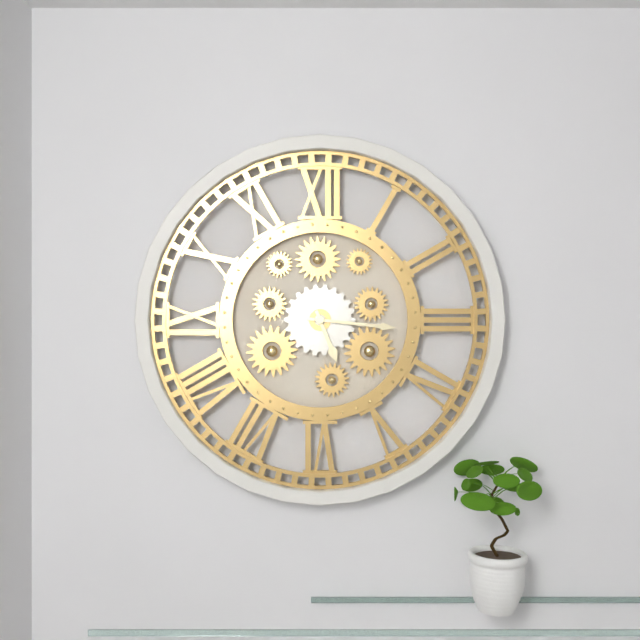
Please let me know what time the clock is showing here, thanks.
5:16
